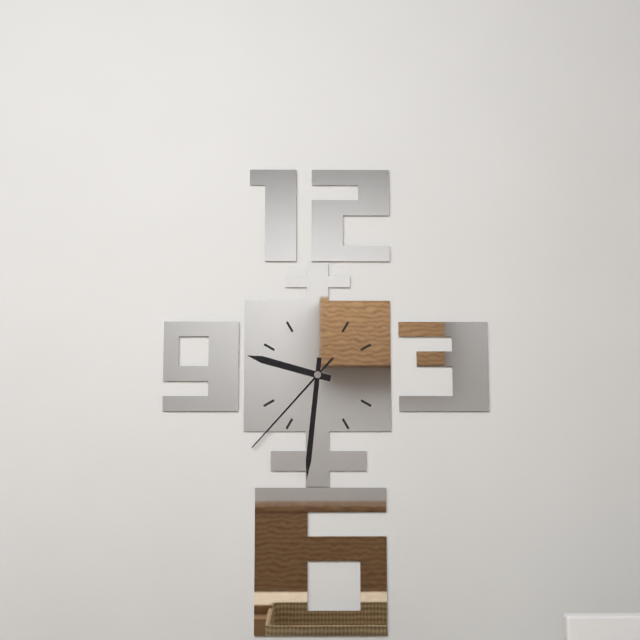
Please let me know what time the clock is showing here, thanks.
9:31:37
